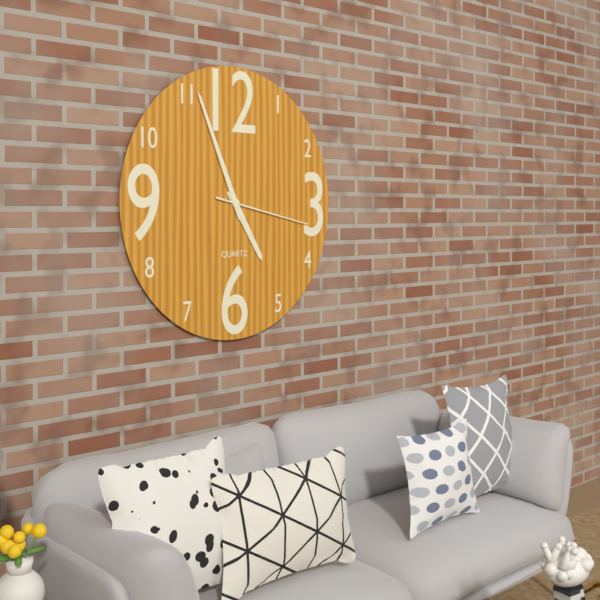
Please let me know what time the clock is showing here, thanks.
4:56:17
